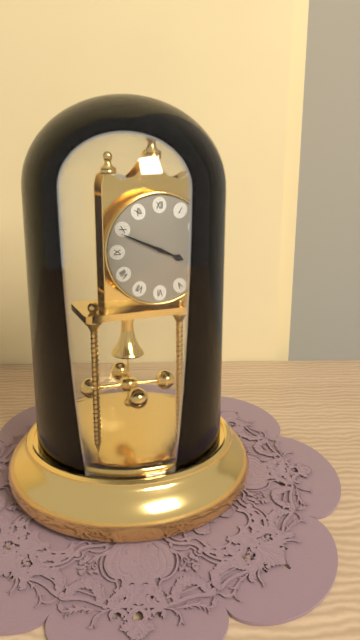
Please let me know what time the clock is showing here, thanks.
3:49
